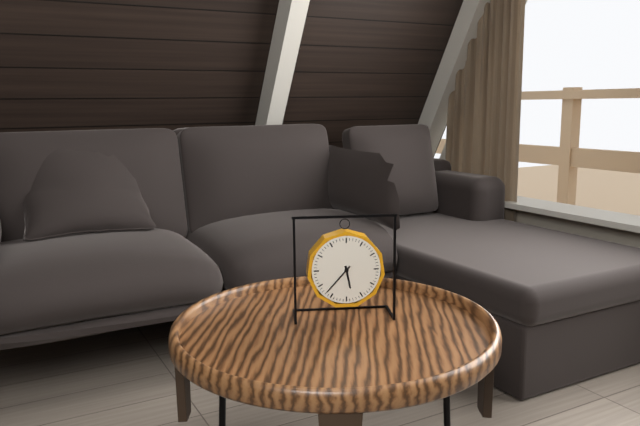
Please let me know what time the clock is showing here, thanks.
5:37
